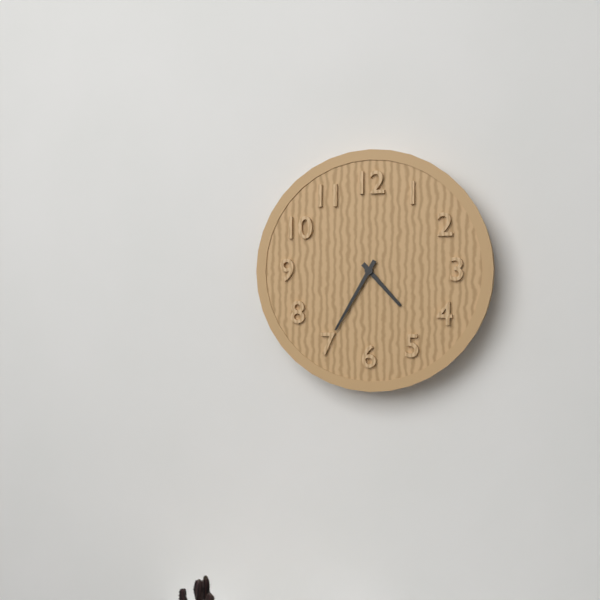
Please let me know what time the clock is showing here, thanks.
4:35
